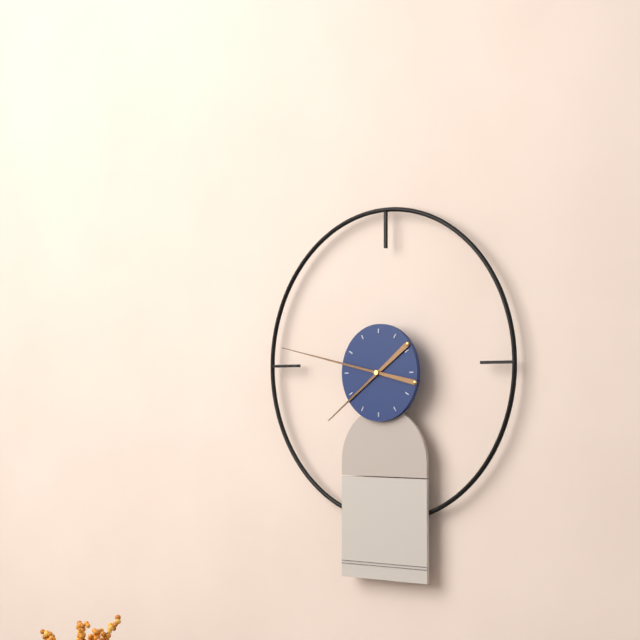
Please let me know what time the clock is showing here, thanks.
7:47
